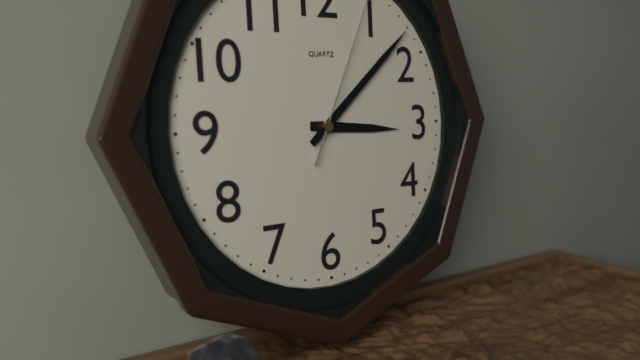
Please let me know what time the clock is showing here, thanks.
3:08
